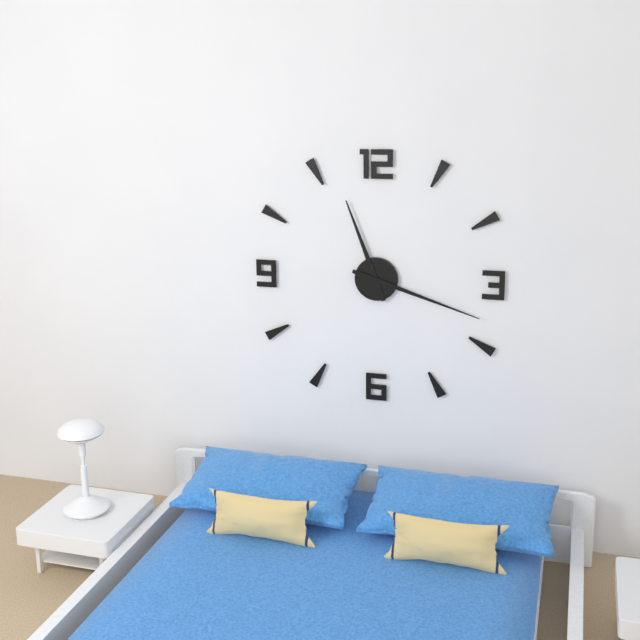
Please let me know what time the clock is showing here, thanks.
11:18
